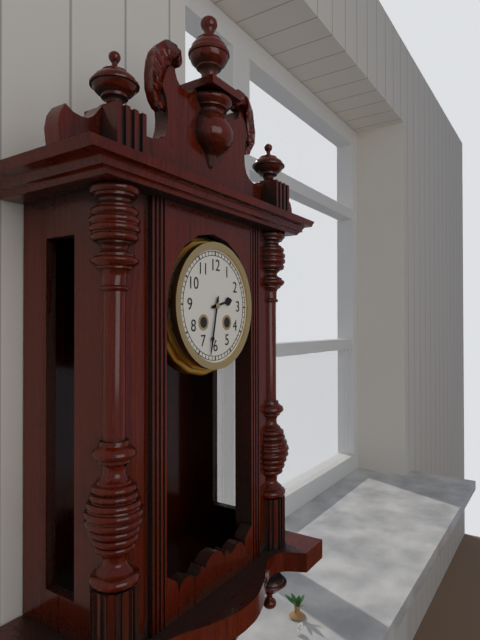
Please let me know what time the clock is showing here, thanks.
2:32
